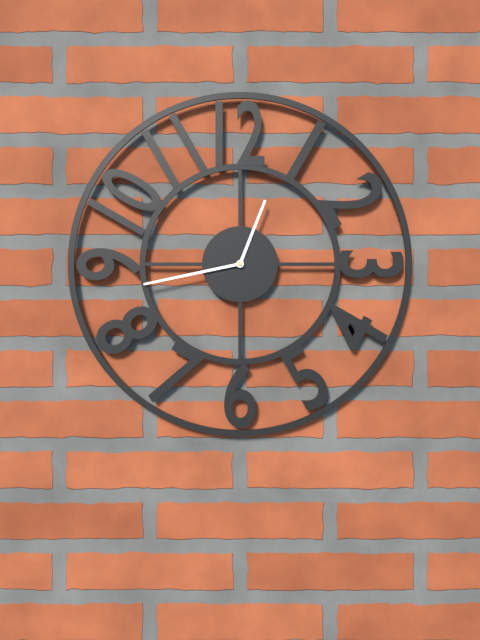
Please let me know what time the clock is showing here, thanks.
12:43
